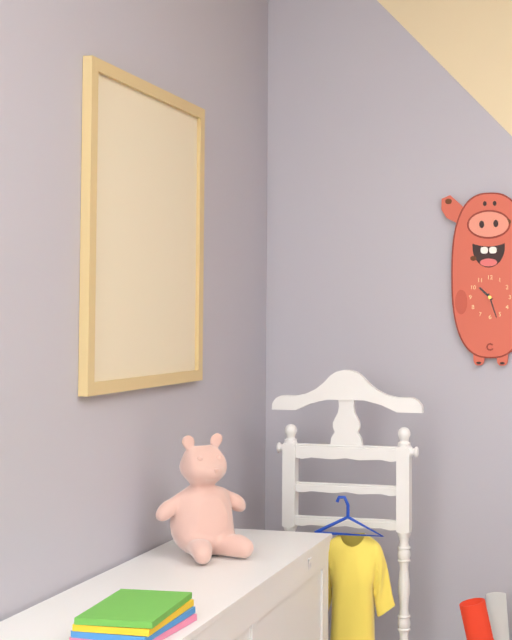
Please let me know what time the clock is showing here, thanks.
10:27
